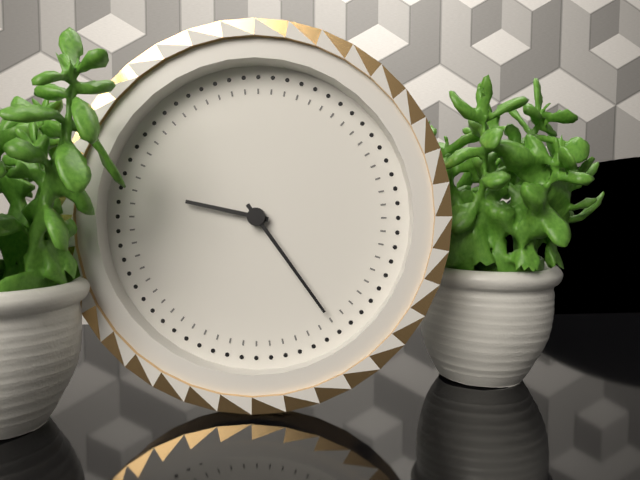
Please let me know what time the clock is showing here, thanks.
9:24
